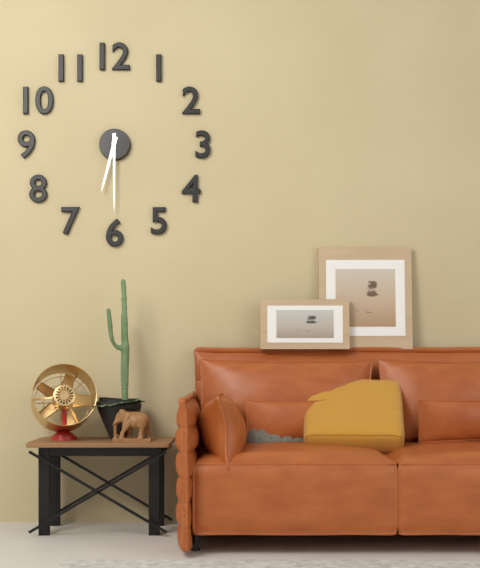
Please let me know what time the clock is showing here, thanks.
6:30
